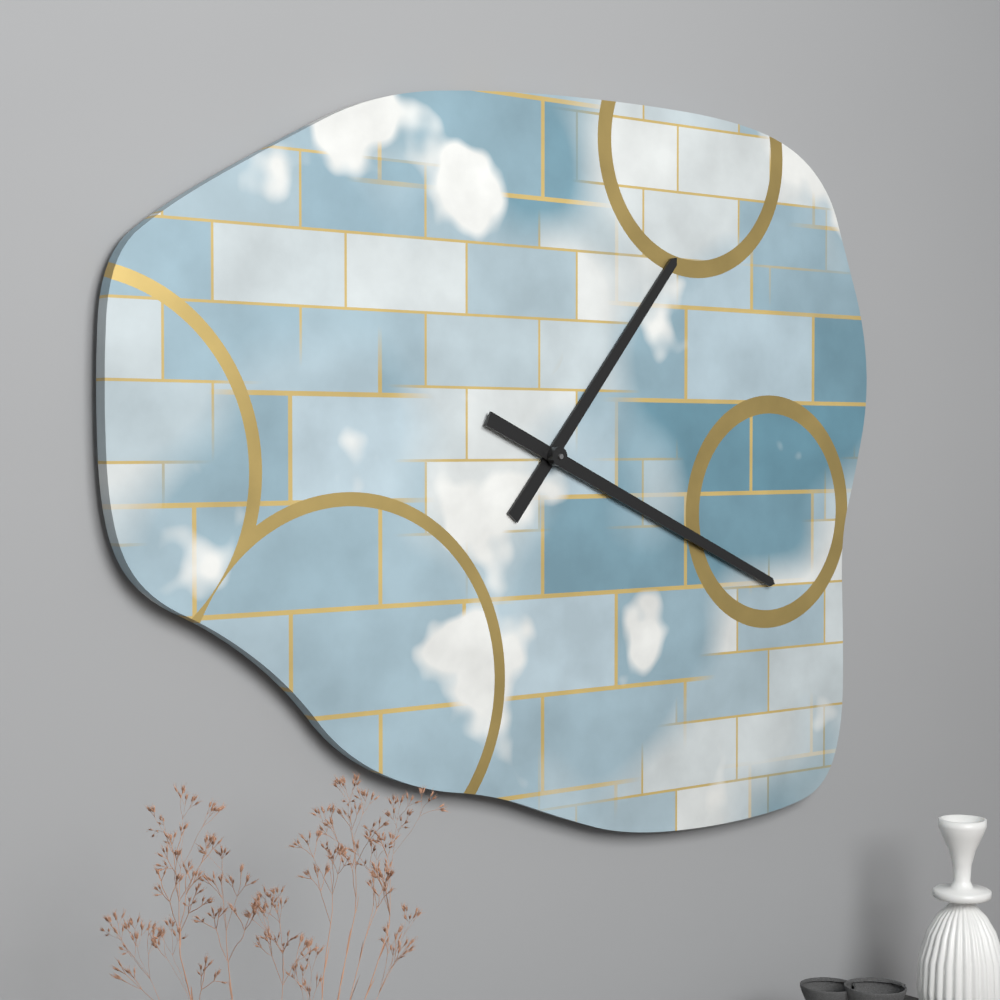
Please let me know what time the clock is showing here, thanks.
1:19
